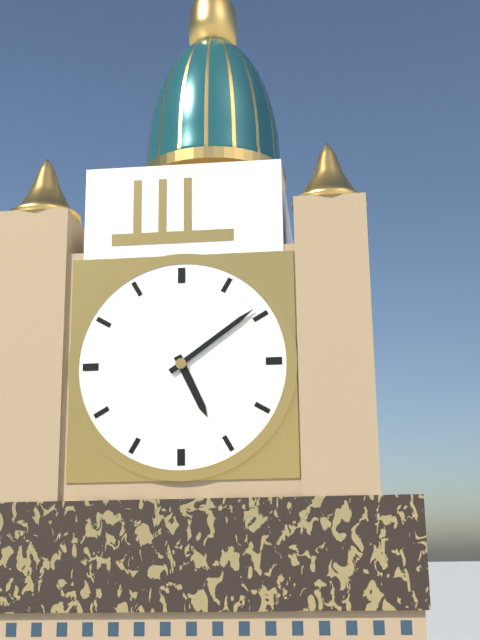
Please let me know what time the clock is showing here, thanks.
5:09
